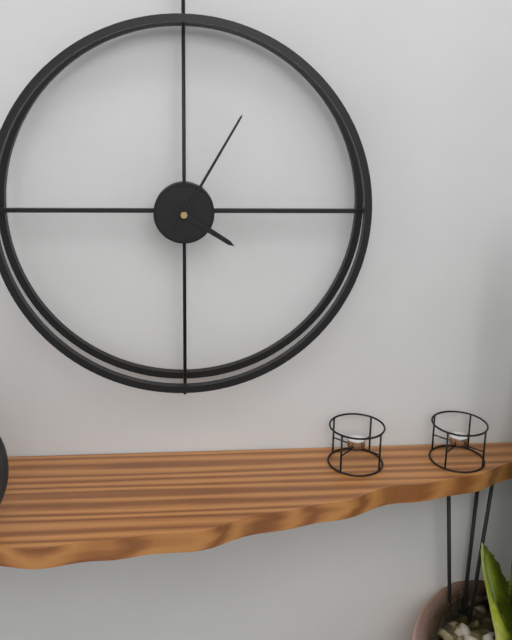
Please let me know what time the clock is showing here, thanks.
4:05
